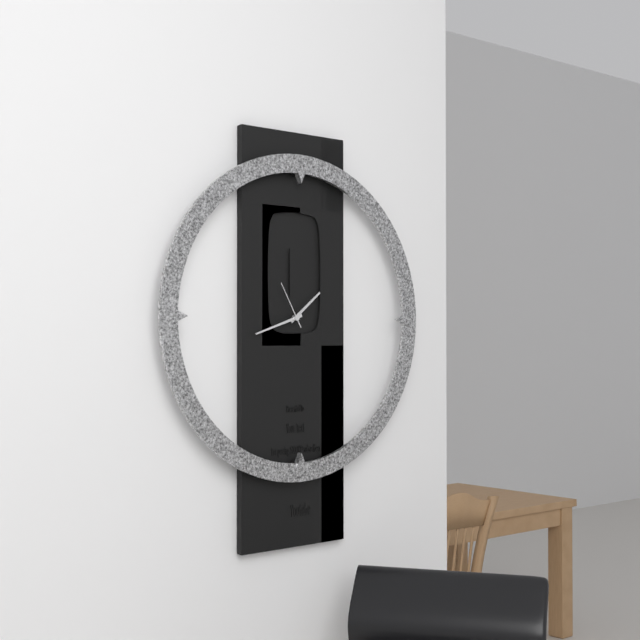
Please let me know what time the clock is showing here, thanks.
1:42
